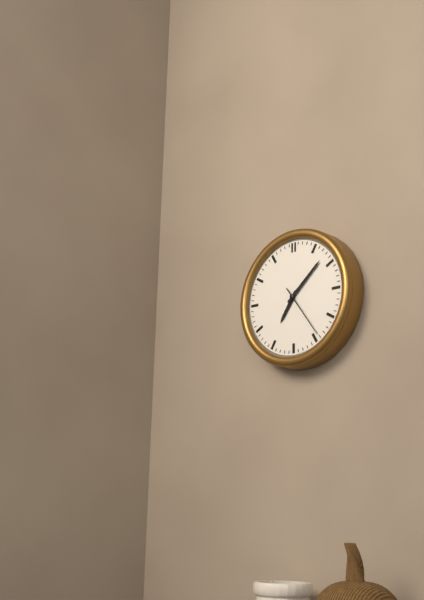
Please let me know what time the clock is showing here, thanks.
7:08:24
